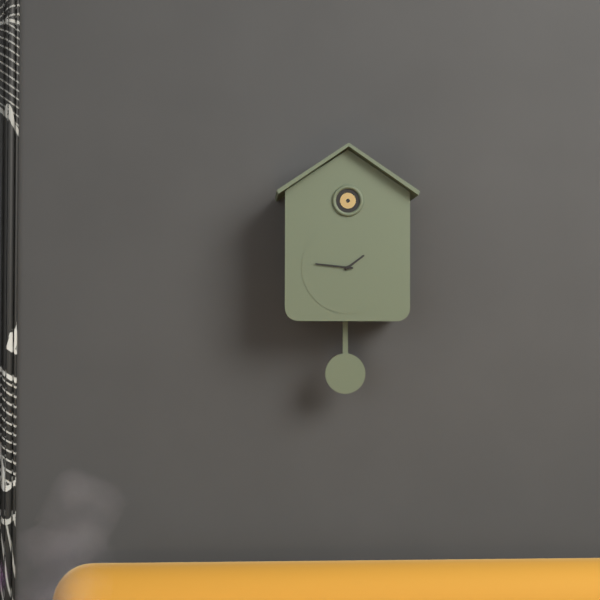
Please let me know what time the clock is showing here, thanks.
1:46
